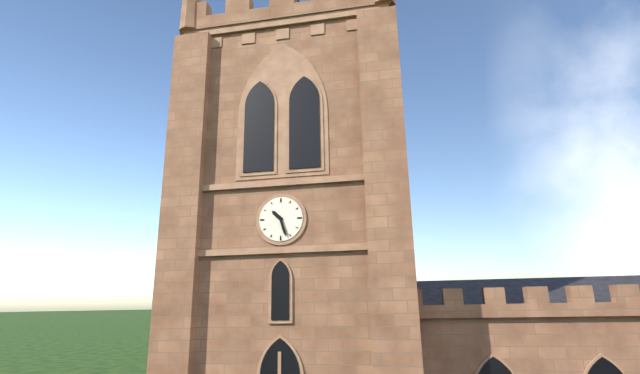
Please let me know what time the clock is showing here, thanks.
10:27
